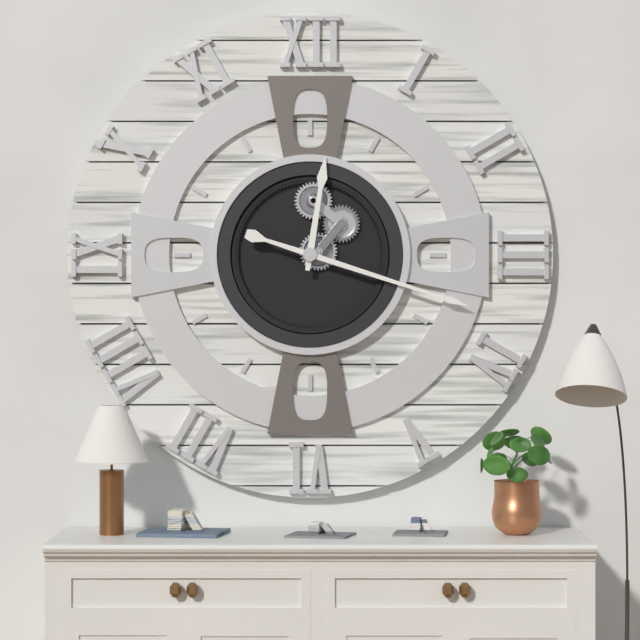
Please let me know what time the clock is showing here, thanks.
12:18
